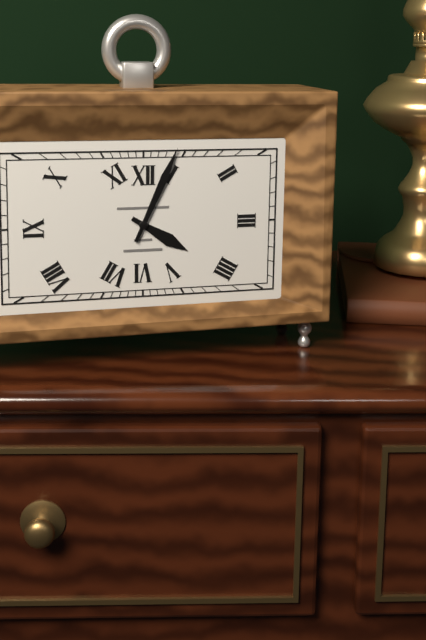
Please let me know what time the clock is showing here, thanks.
4:04
